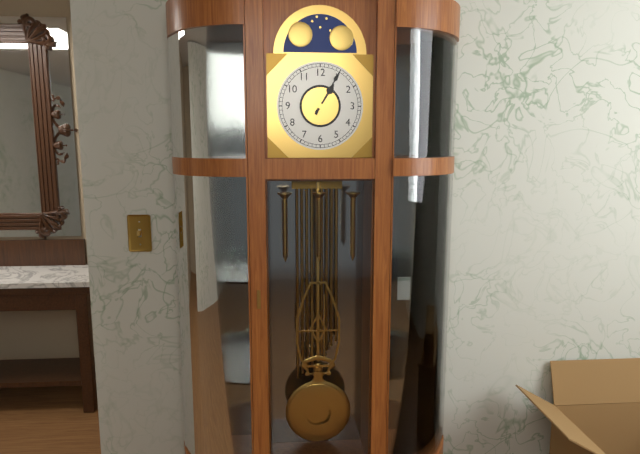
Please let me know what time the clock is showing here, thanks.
1:05
